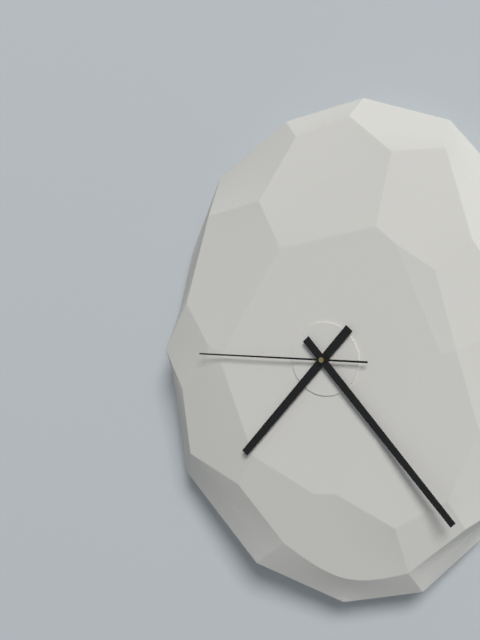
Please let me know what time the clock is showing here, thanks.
7:23:45
